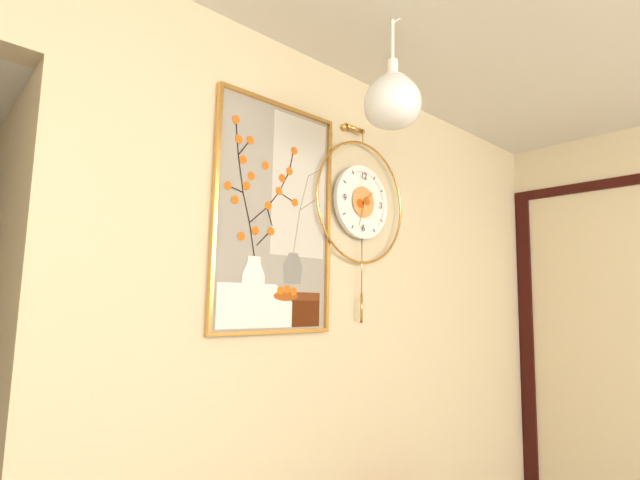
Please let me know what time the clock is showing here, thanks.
1:33
